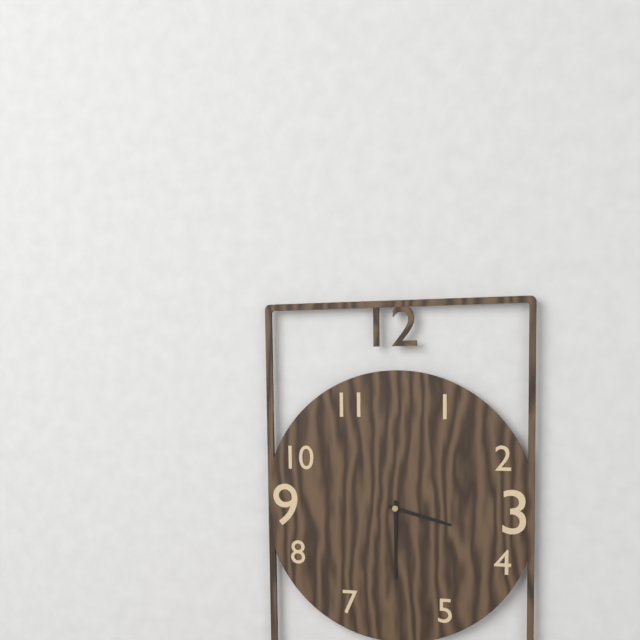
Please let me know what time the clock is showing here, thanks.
3:30
